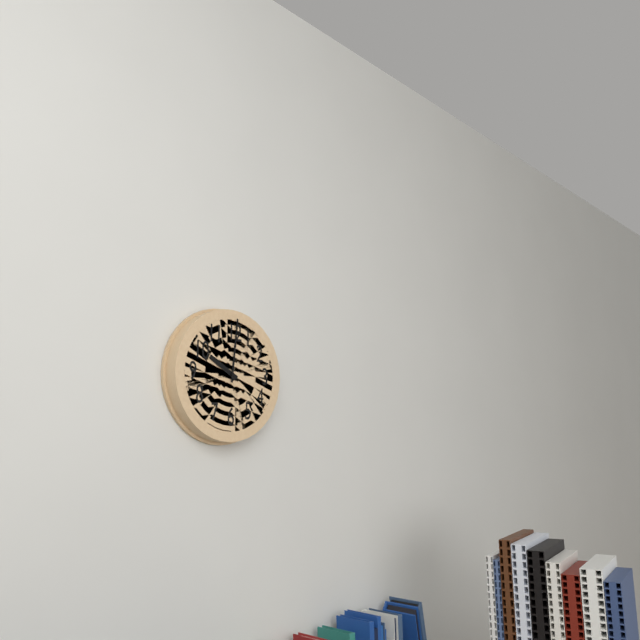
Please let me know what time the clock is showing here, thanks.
10:01
